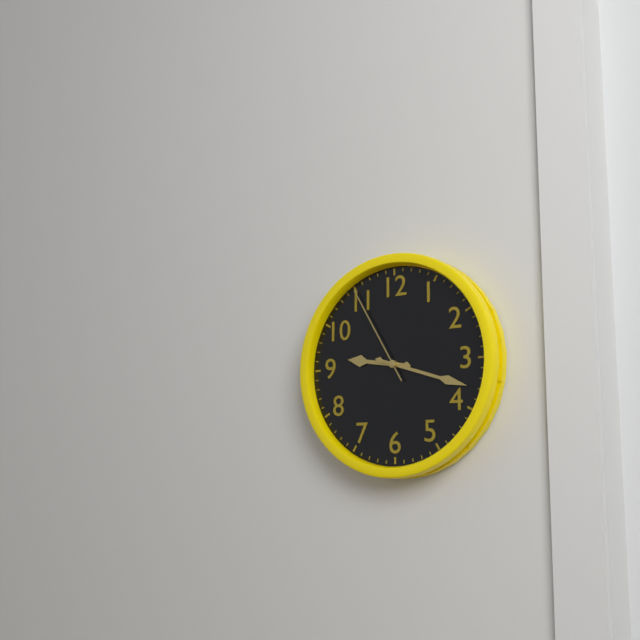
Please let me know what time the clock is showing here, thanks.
9:18:55
